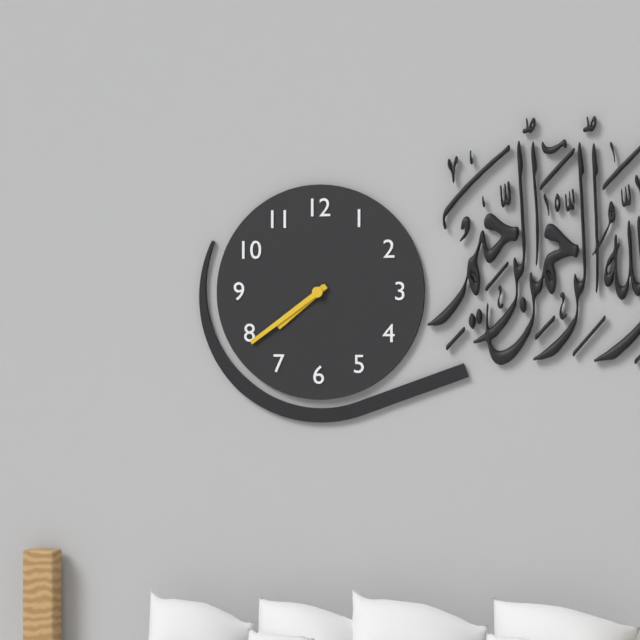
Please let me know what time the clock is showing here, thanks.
7:39
